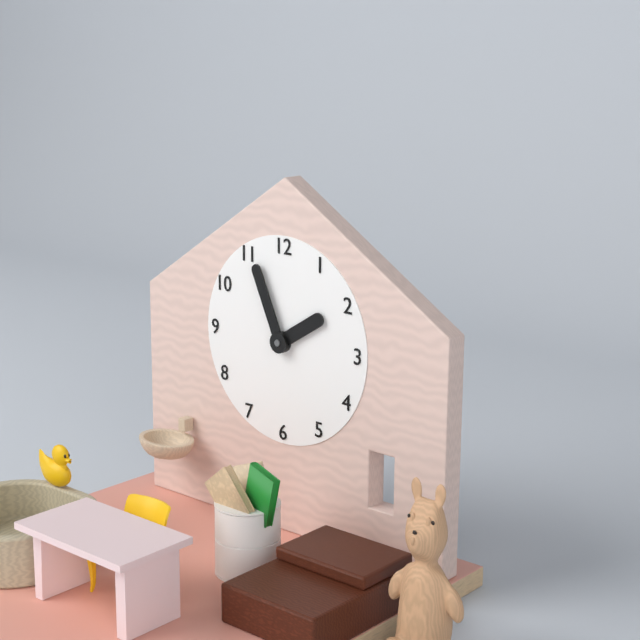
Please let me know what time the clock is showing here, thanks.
1:56
